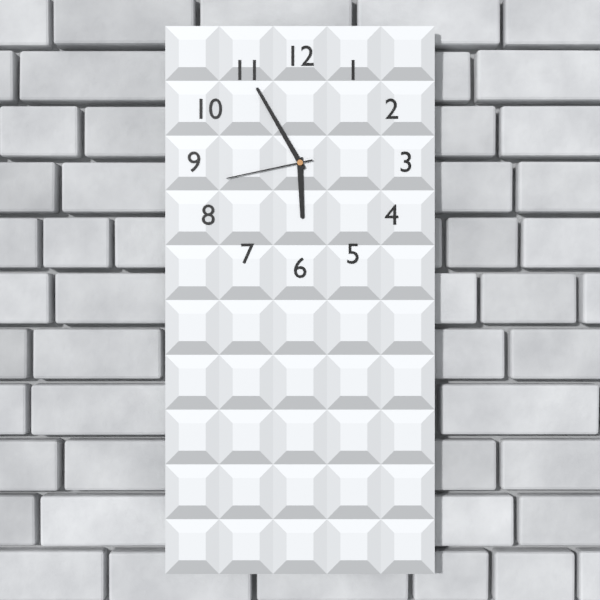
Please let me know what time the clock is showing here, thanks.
5:55:43
